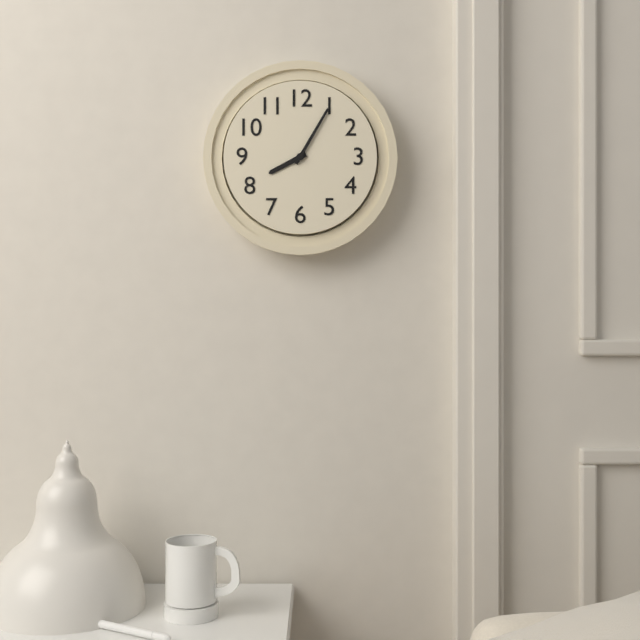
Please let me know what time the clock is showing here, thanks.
8:05
